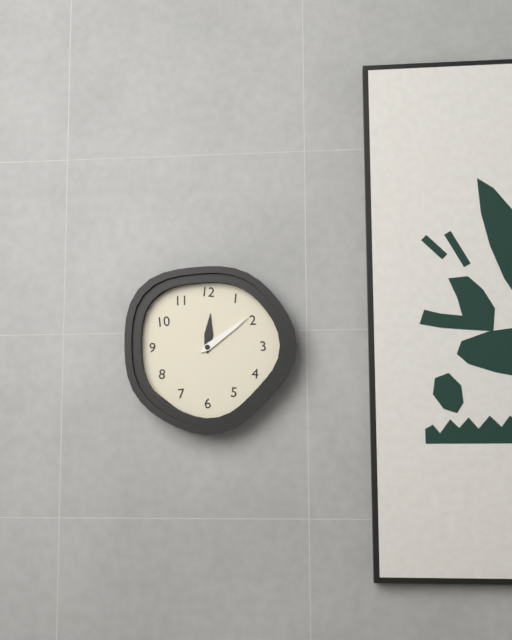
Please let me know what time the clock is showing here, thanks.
12:09
